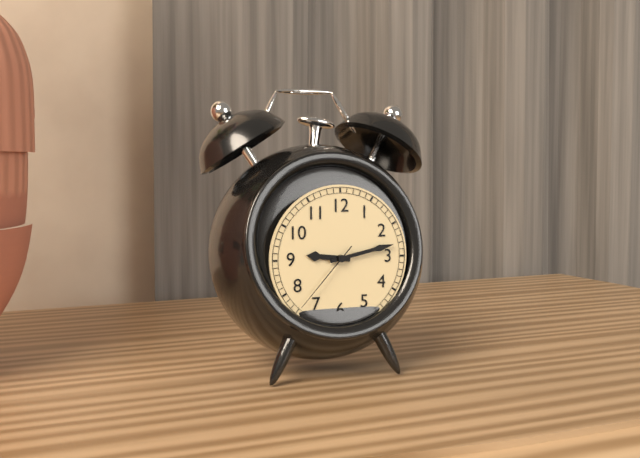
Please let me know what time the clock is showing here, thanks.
9:13:37
